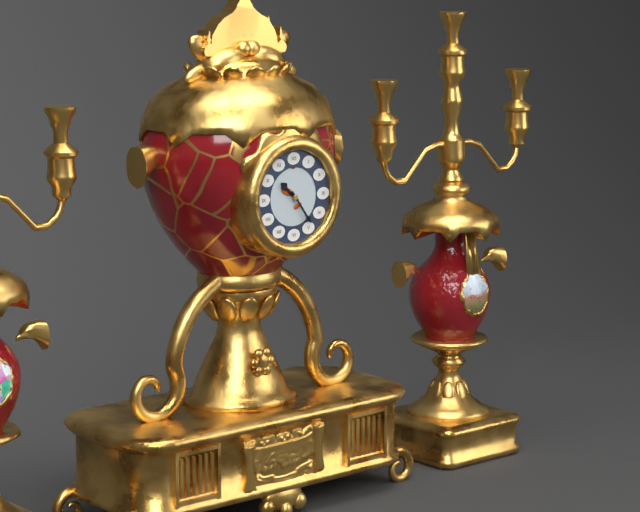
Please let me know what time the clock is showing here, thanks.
10:24
